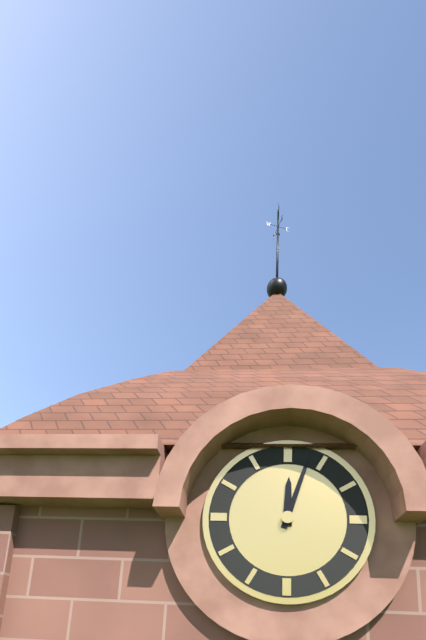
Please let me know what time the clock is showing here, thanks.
12:03
